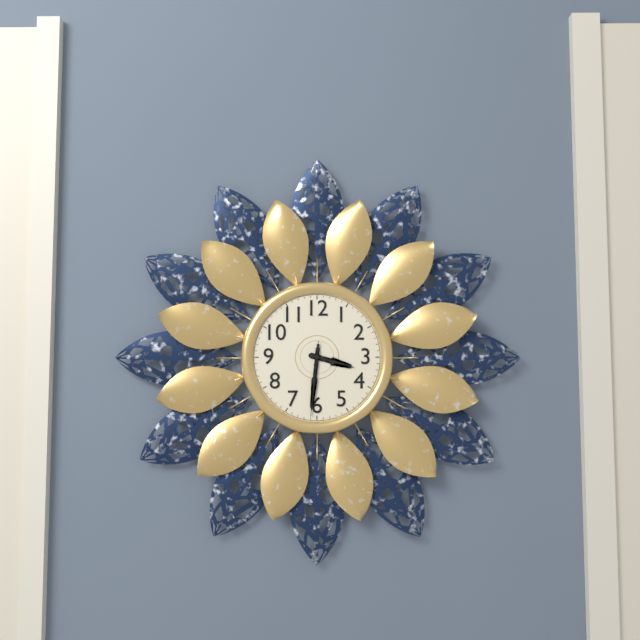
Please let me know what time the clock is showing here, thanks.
3:31:31
